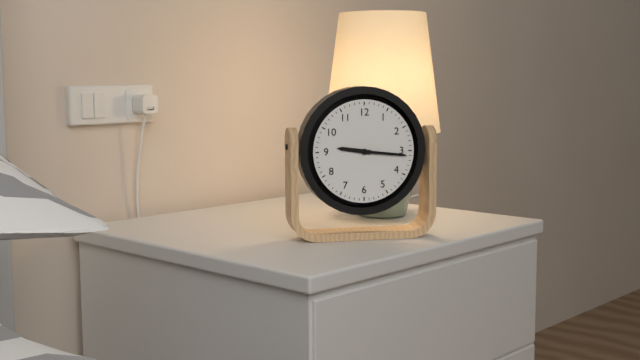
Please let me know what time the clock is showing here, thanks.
9:16
